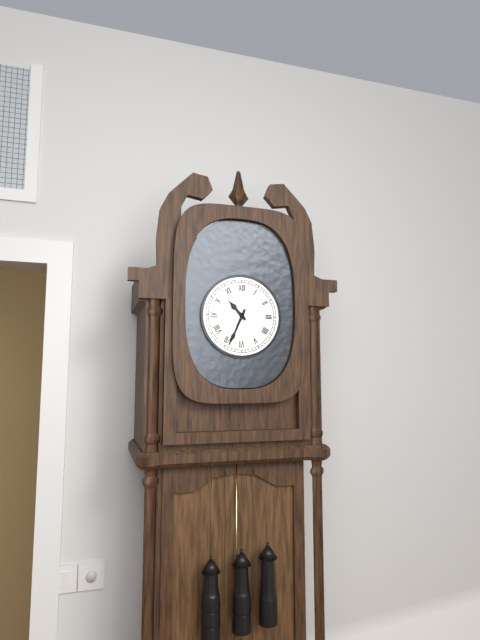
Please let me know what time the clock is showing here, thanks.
10:34
